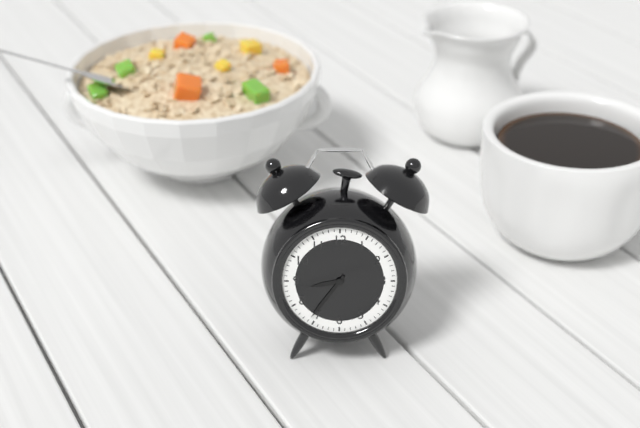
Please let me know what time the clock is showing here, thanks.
8:36
